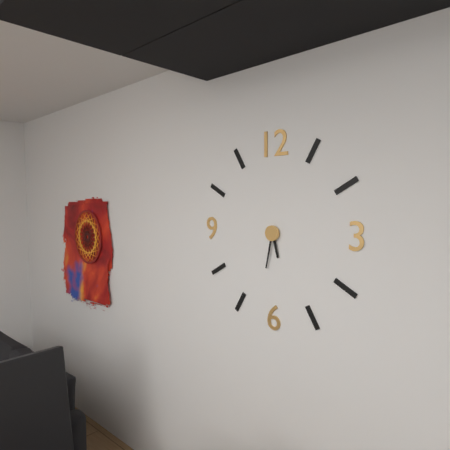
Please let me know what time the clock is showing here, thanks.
5:32
